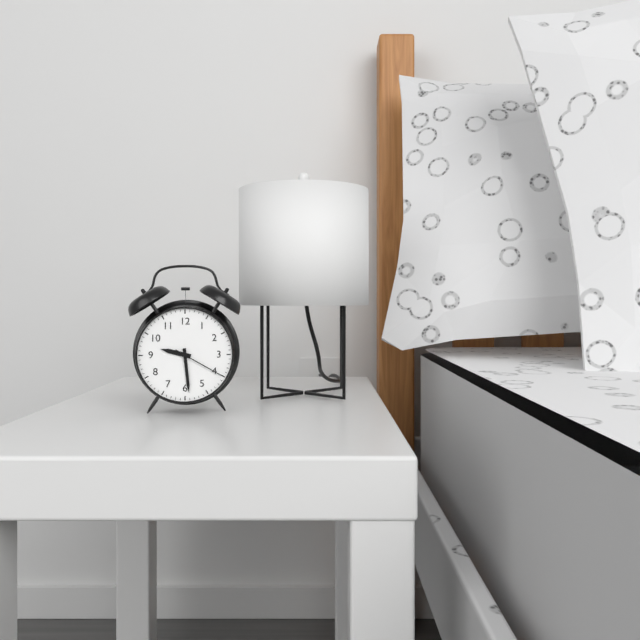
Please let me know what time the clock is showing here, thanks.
9:29:20
